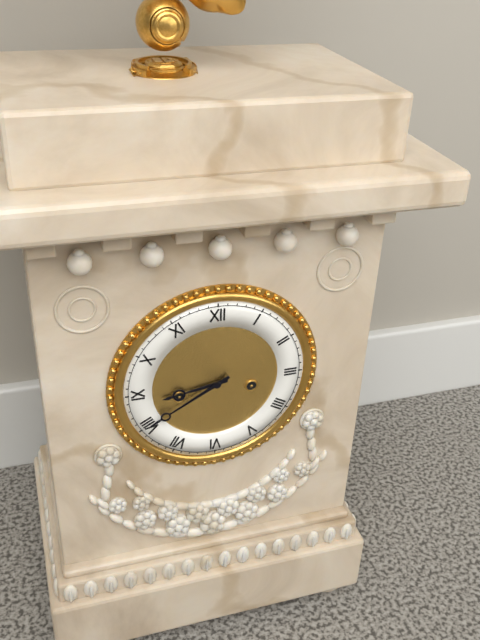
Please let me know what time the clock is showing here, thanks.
8:40
